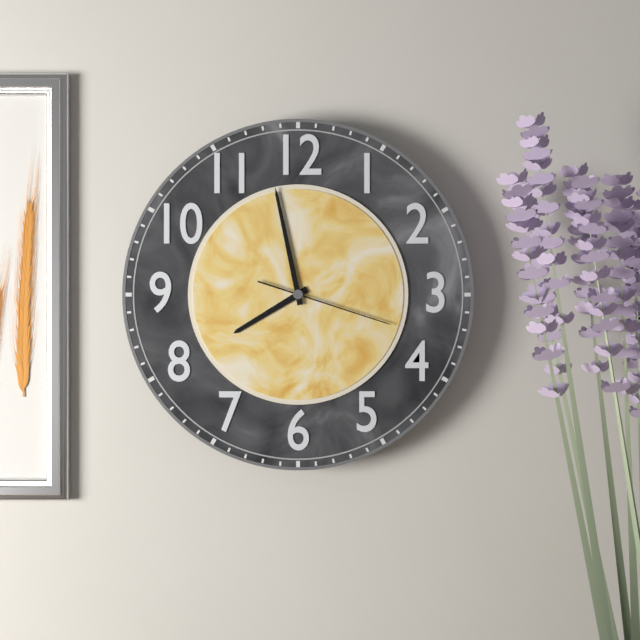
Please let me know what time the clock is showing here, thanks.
7:58:18
